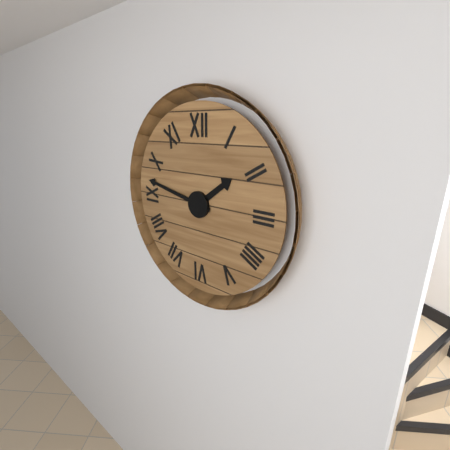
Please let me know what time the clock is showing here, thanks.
1:47
